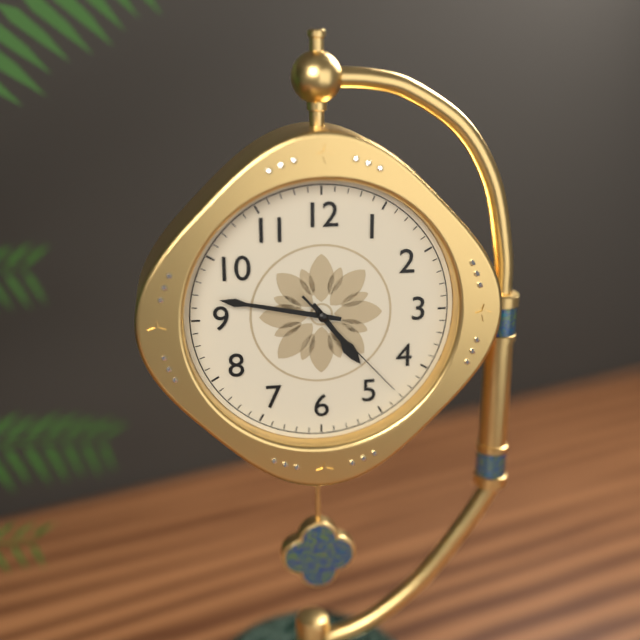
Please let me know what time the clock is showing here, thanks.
4:47:23
